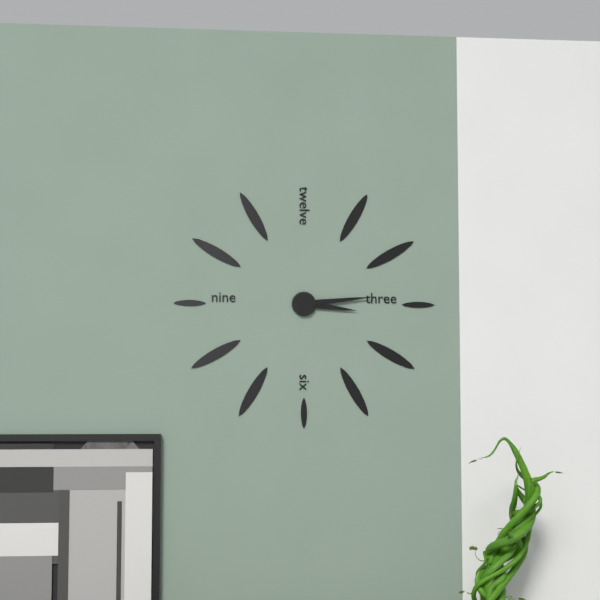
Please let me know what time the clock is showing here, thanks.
3:14
